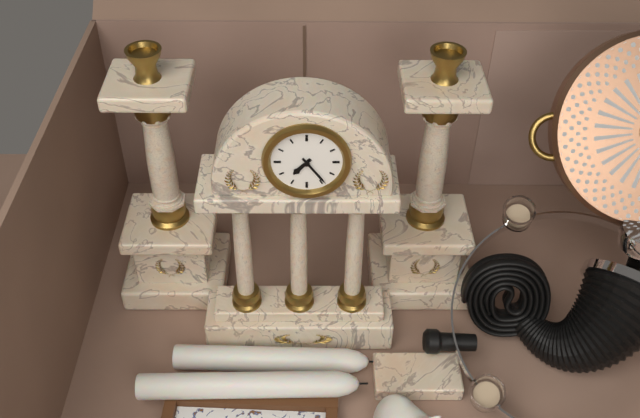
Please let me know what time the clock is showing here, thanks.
7:24
